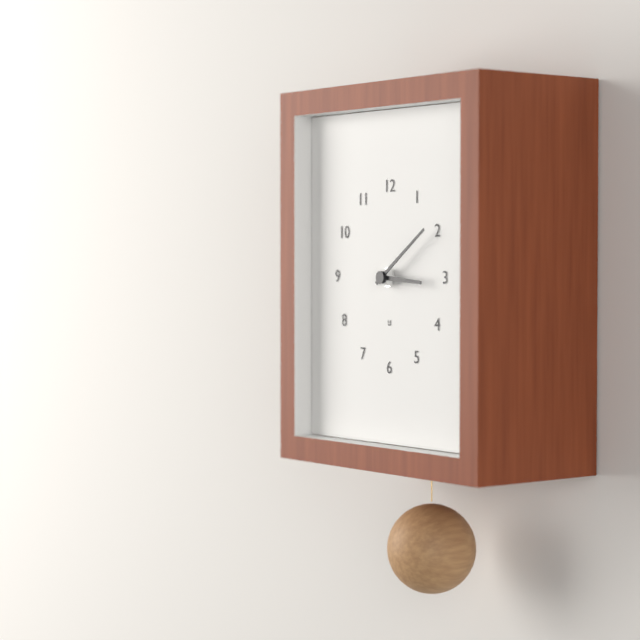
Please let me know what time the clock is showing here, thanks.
3:09
